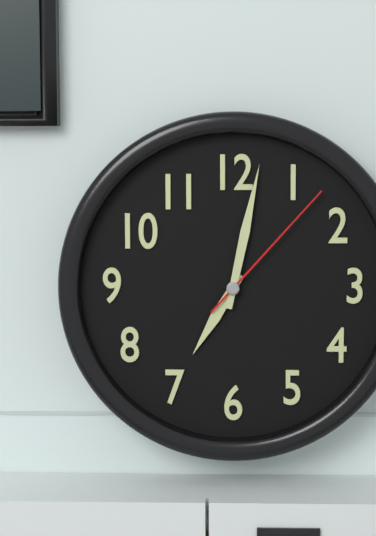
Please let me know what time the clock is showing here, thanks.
7:02:07
